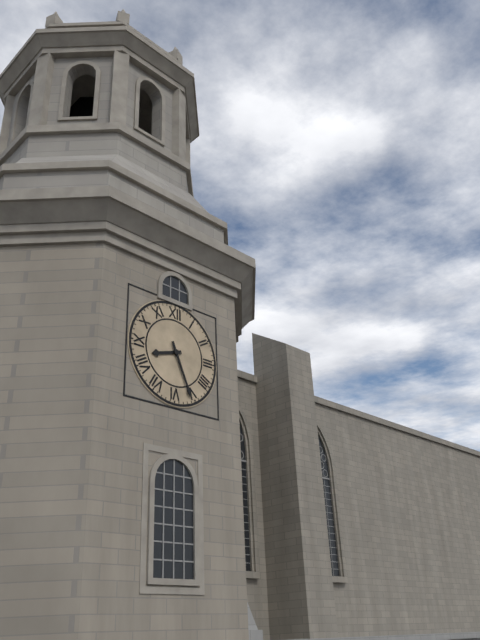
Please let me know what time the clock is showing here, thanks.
8:26
